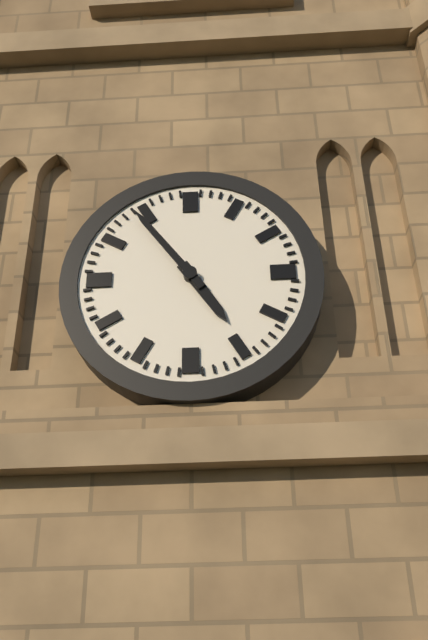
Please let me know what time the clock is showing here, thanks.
4:54
